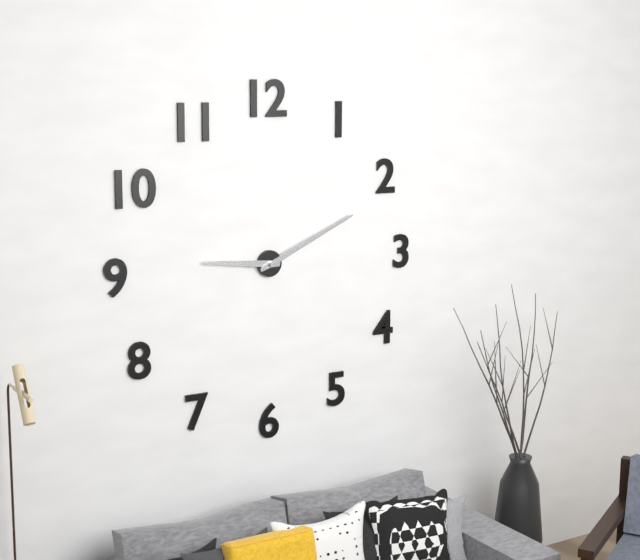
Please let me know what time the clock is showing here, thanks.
9:11
